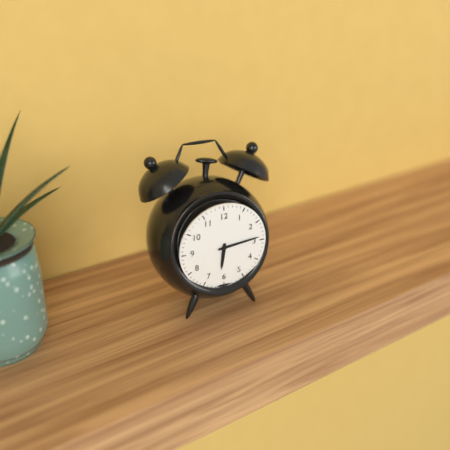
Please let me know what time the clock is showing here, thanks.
6:14
